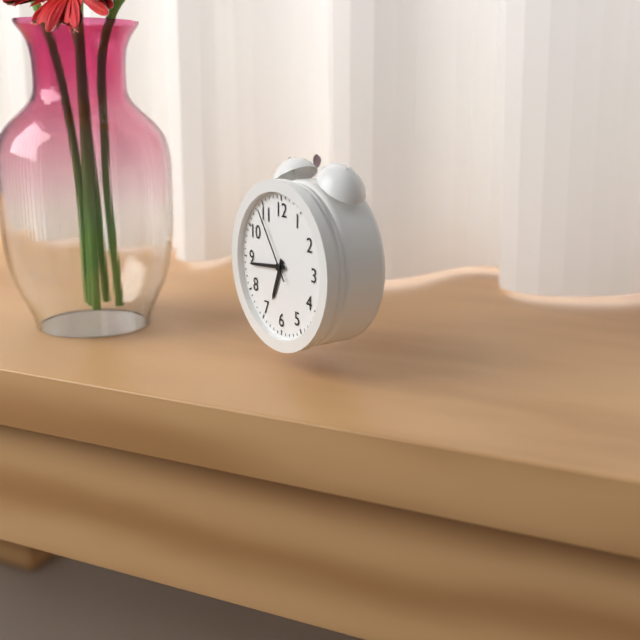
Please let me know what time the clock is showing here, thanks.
6:44:54
